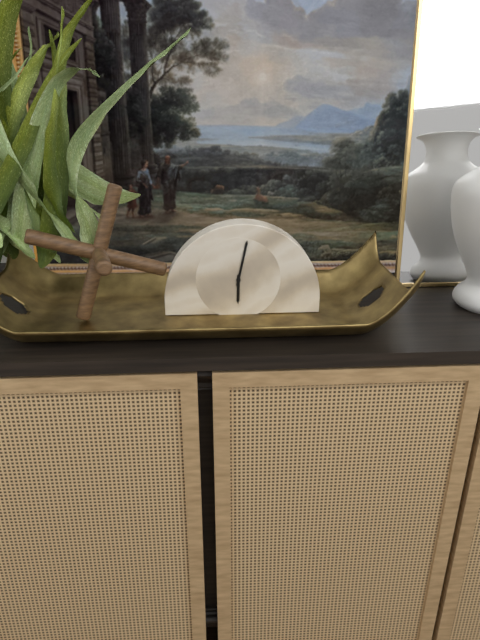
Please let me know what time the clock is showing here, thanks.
6:02
